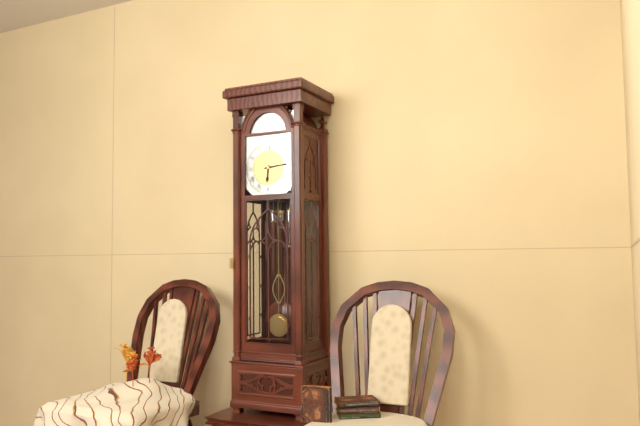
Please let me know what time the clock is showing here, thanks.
6:14
